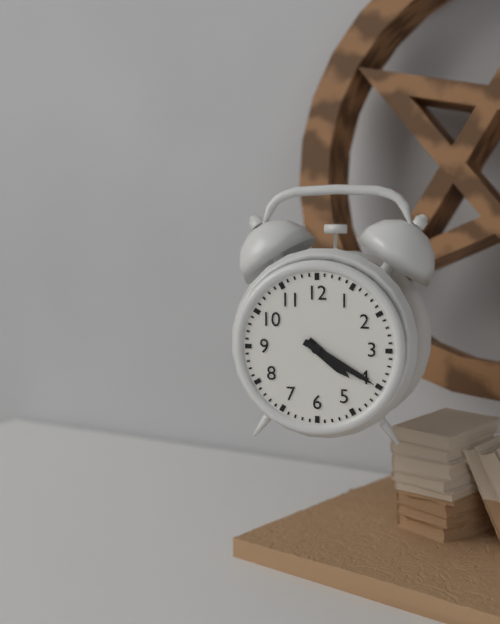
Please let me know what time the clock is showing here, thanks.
4:20
